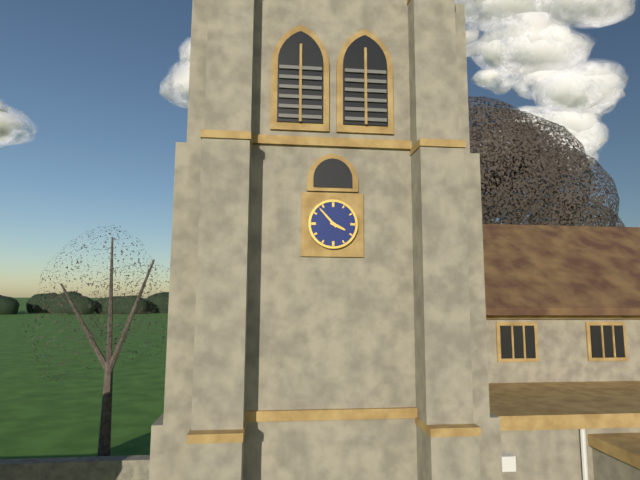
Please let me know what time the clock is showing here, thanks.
3:53
